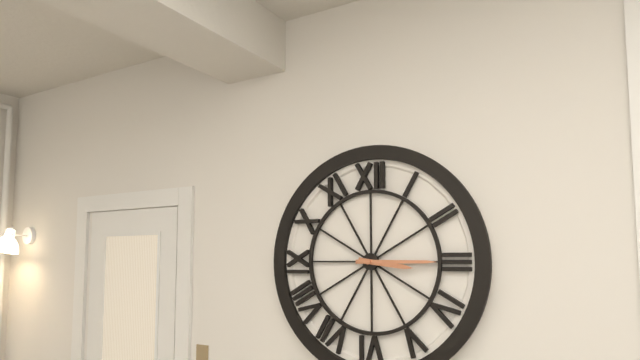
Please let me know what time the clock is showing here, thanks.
3:15
